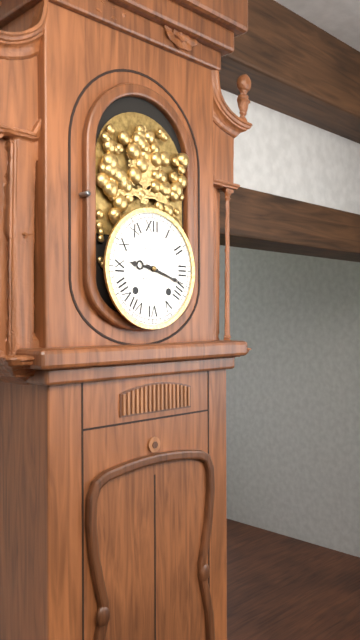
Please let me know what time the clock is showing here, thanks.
9:18
